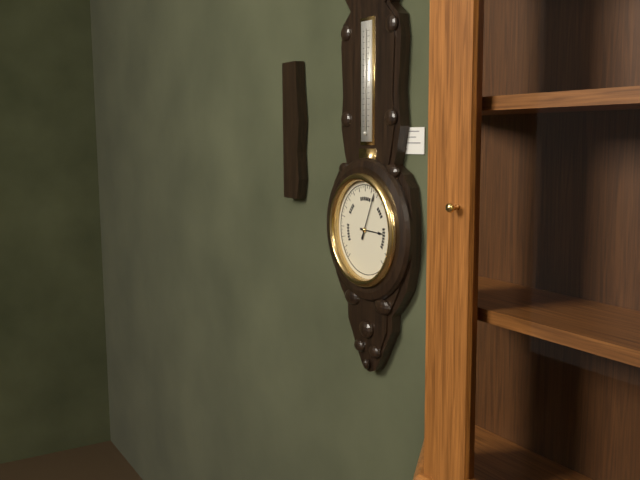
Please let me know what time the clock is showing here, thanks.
3:04
